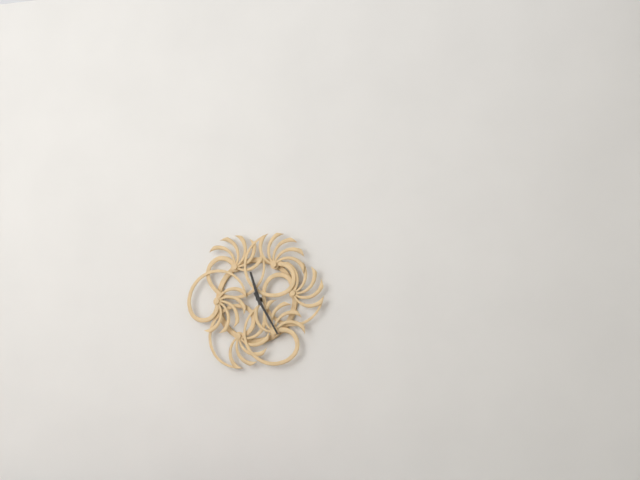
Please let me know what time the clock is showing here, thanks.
11:25
